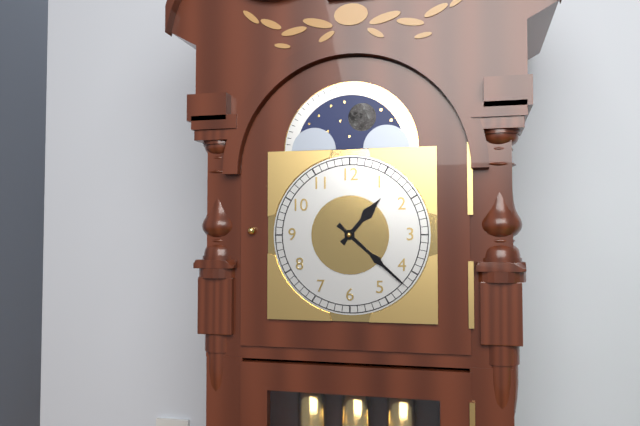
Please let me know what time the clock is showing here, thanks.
1:22
